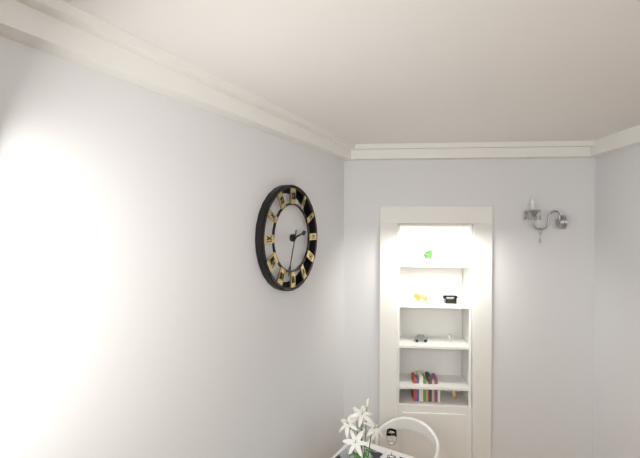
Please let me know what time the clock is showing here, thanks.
2:33
